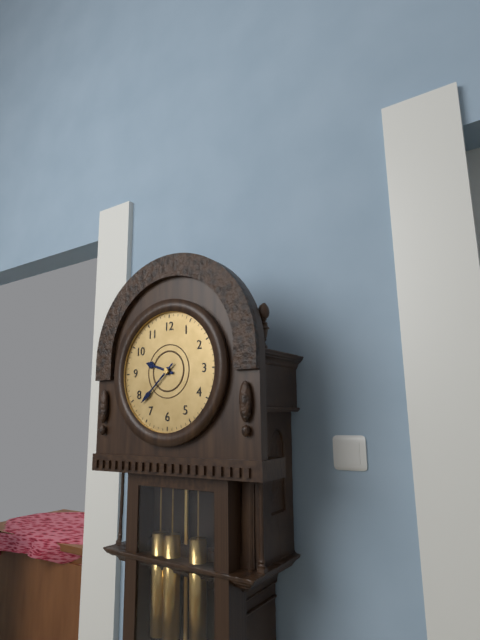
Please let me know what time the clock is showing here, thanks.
9:38
